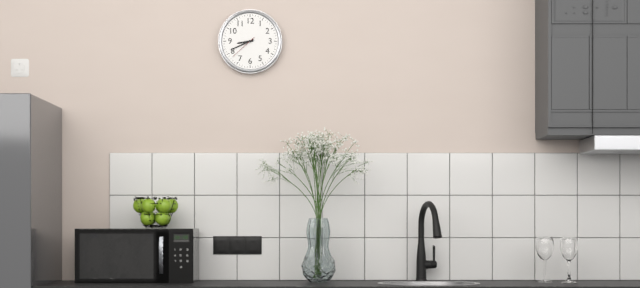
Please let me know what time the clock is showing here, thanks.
8:41
